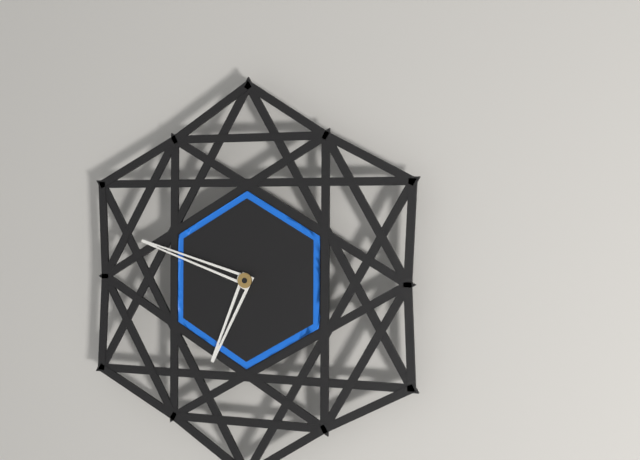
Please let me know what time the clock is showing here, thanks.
6:48
